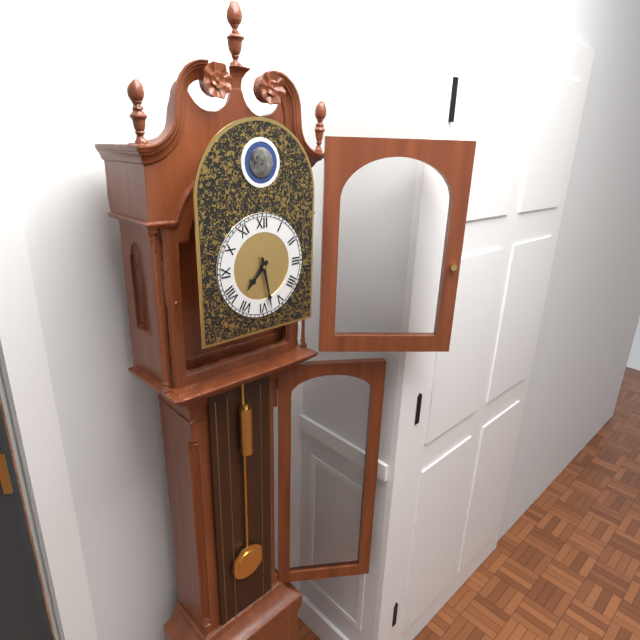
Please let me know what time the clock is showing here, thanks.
7:28
